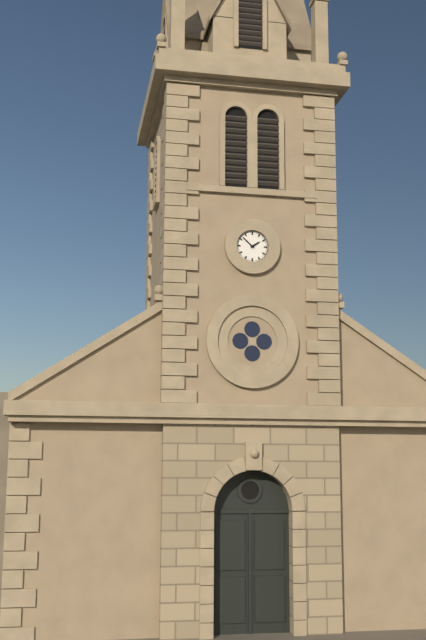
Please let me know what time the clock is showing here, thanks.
1:52
